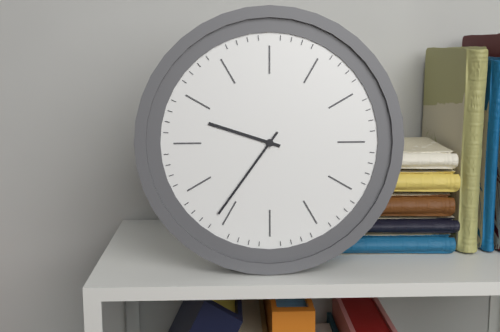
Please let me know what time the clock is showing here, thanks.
9:36
